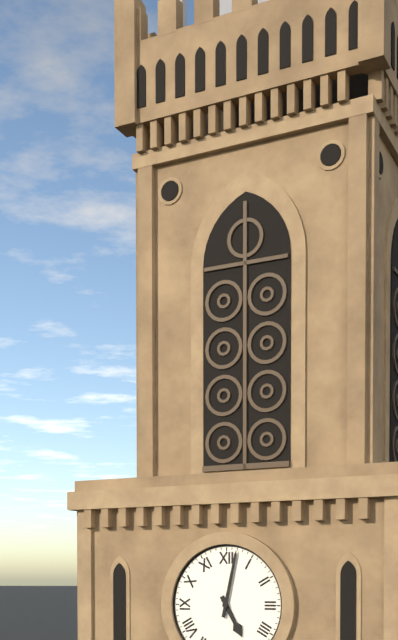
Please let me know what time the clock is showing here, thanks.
5:02
